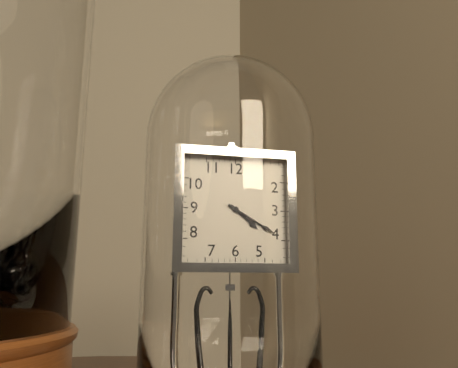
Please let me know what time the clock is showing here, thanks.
4:20
